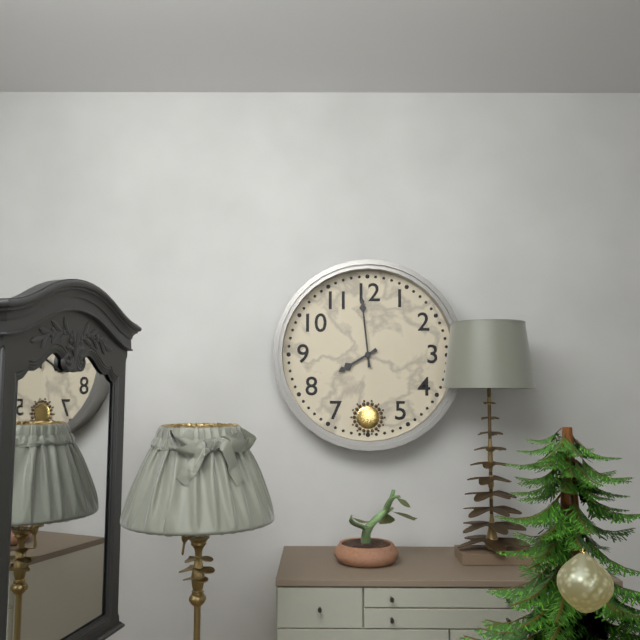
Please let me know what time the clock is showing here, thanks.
7:59
